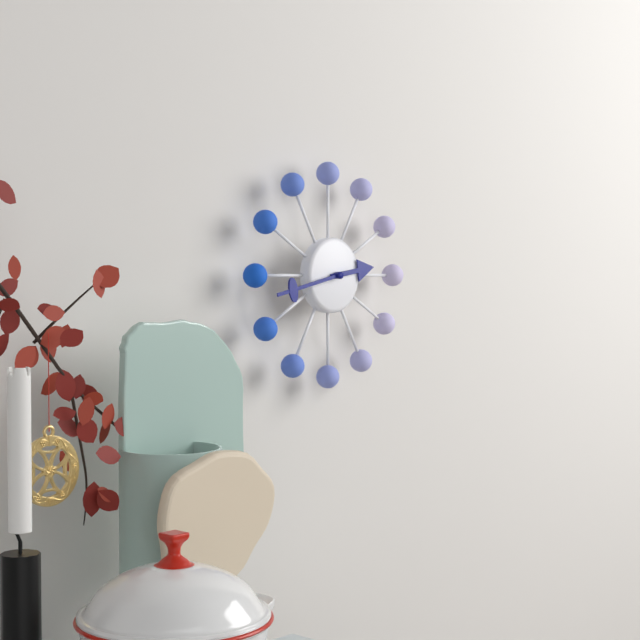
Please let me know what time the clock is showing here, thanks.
2:43
